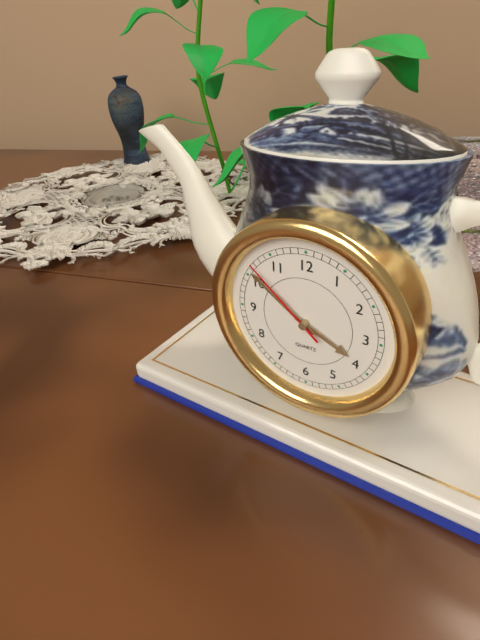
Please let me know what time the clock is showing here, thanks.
3:51:52
